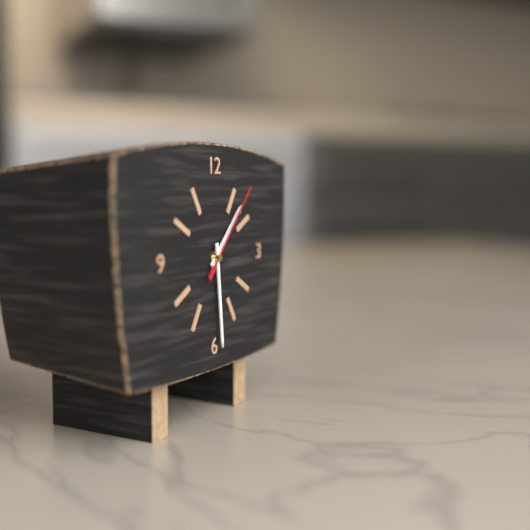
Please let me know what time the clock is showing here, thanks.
1:29:07
